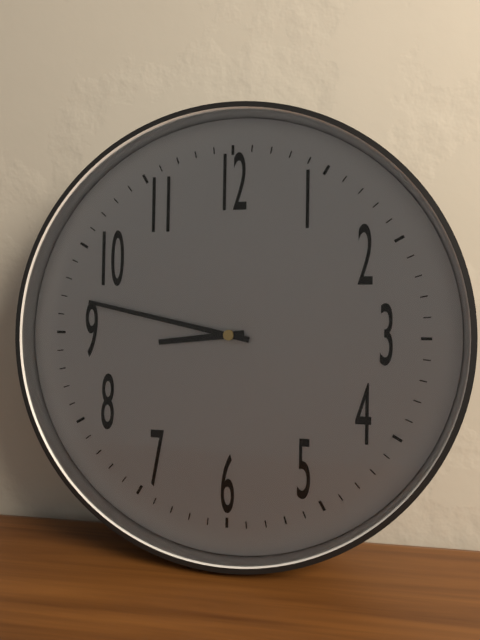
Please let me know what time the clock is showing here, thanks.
8:47
